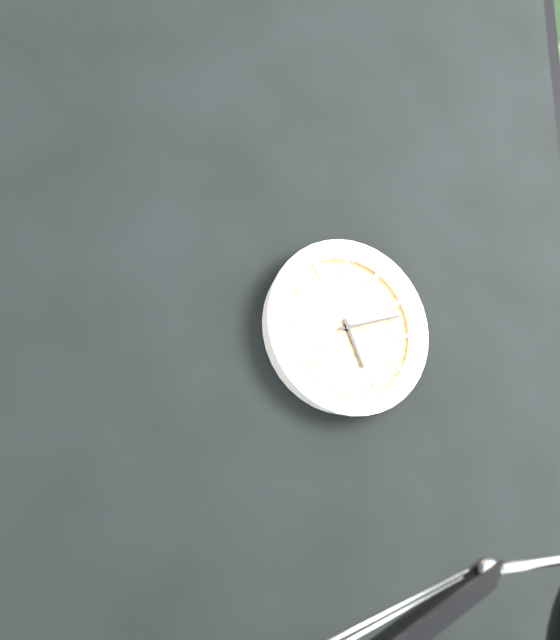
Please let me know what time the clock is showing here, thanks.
5:12
